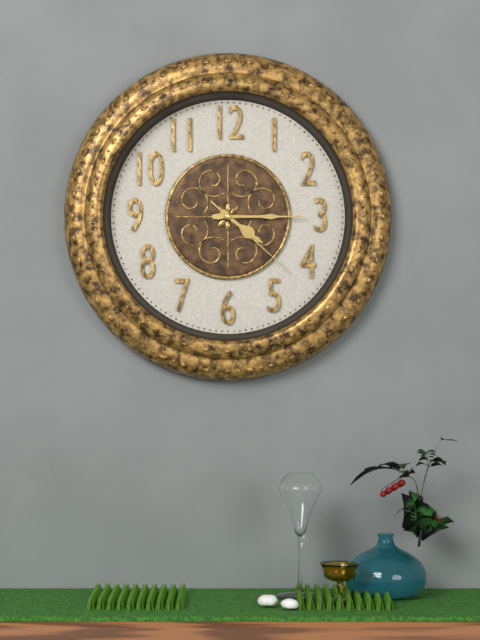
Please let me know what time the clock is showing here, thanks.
4:15:22
